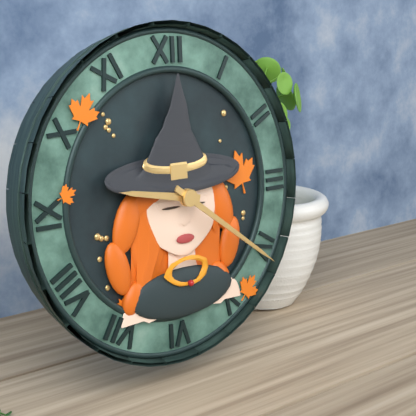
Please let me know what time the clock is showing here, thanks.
9:21
